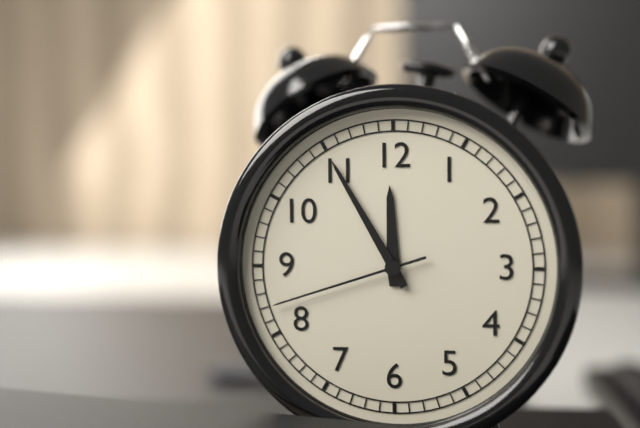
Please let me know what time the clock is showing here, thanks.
11:55:42
